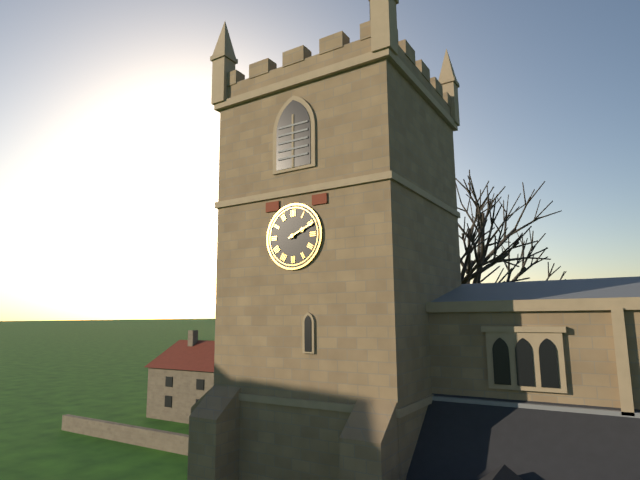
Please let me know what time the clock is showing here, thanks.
2:11
